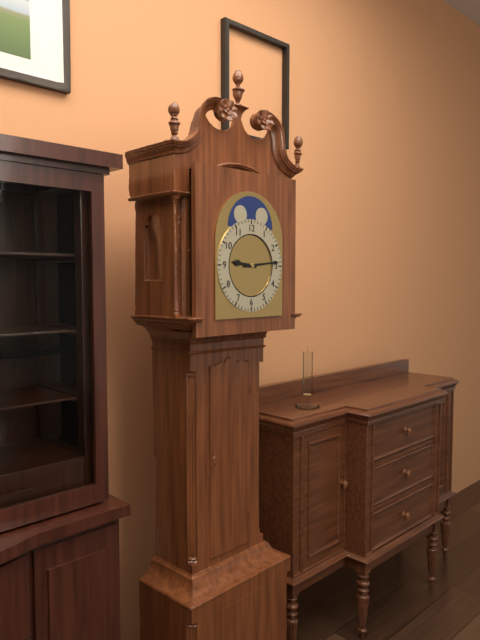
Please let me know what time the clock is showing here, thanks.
9:14
